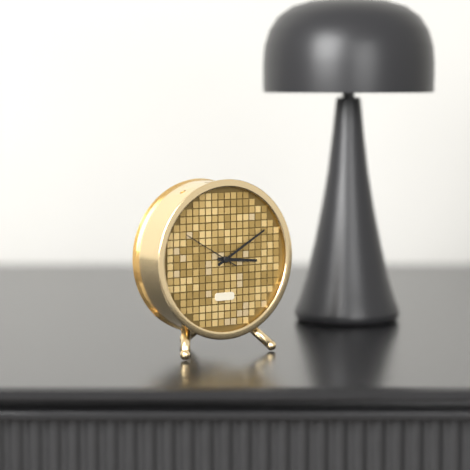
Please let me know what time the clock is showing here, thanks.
3:10:50
